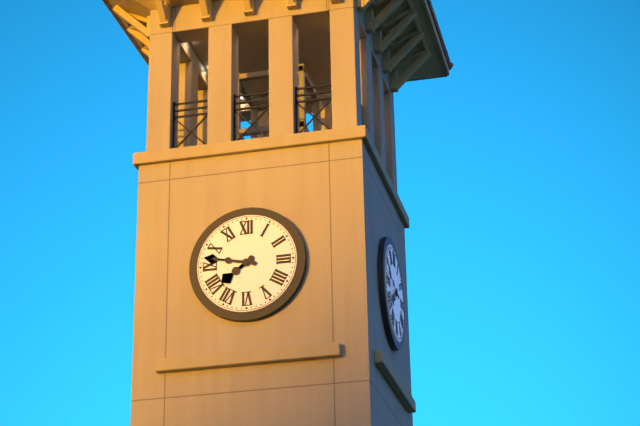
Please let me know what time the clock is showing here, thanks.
7:47
